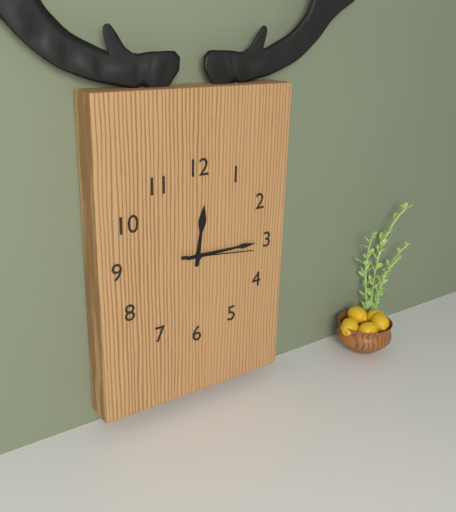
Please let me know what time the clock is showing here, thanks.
12:15:16
